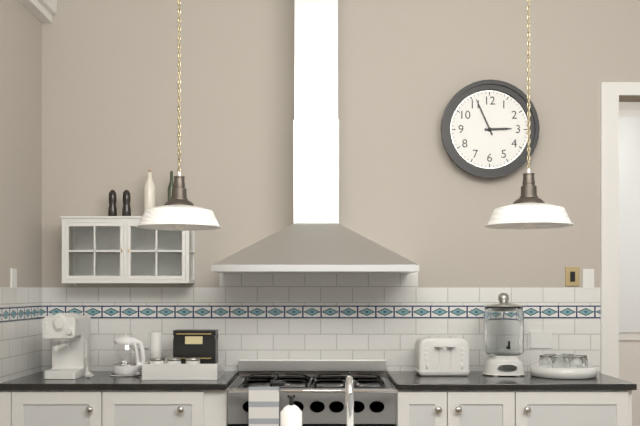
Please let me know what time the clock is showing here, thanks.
2:56
